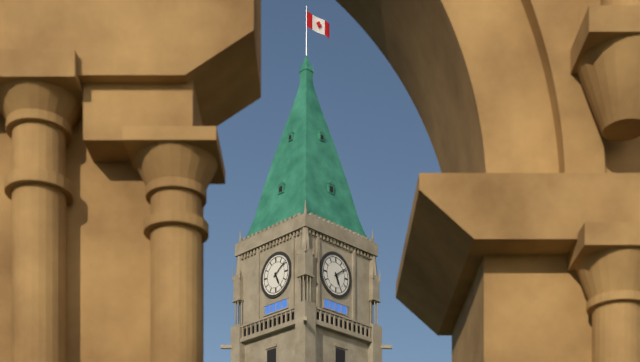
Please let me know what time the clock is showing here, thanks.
5:09
